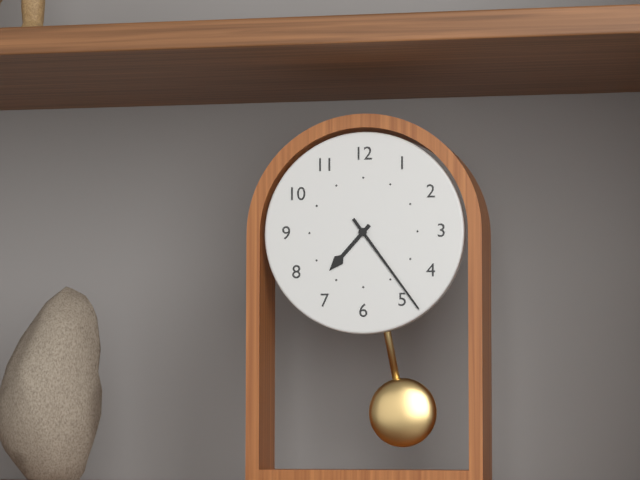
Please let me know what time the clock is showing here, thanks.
7:24
